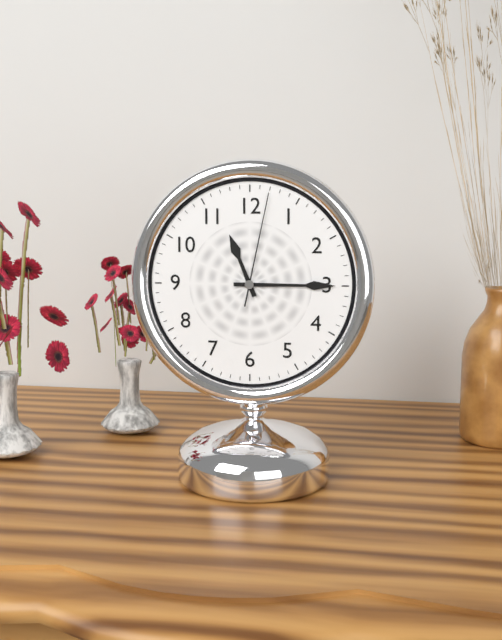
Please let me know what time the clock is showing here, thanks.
11:15:02
